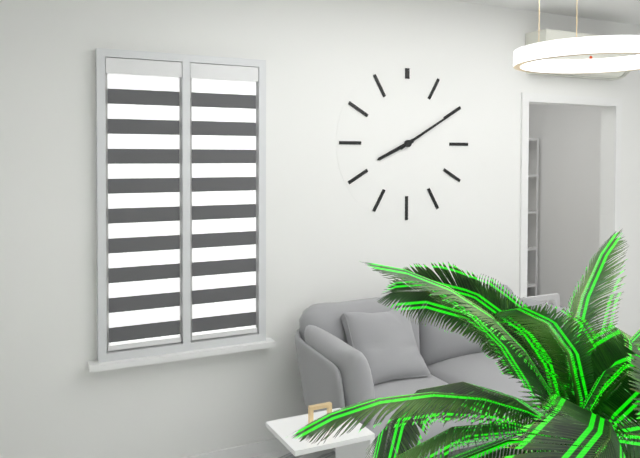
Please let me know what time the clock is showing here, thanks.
8:10
